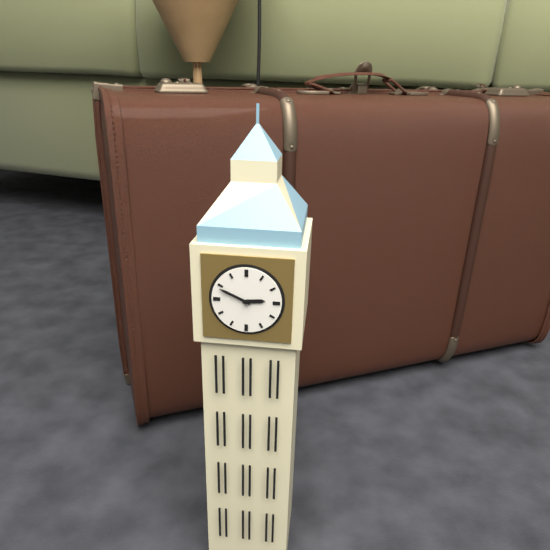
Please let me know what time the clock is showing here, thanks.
2:49
